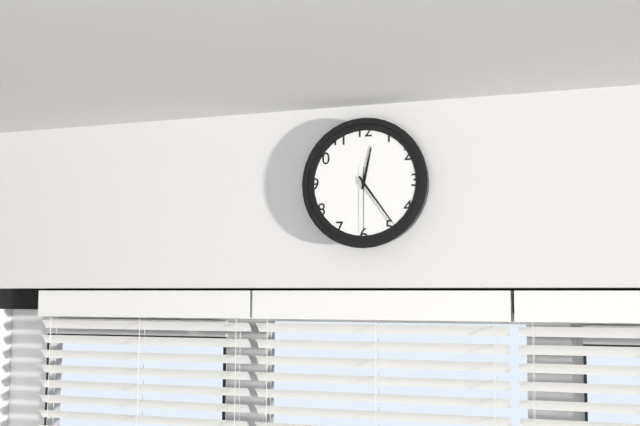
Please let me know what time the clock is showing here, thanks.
12:24:30
